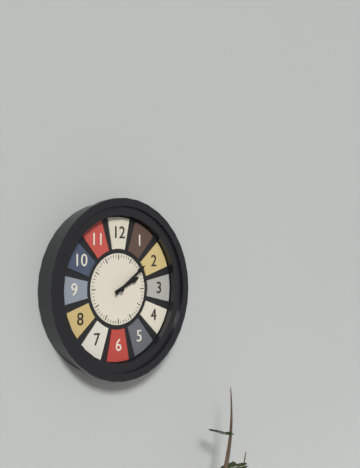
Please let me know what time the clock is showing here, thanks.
2:09
